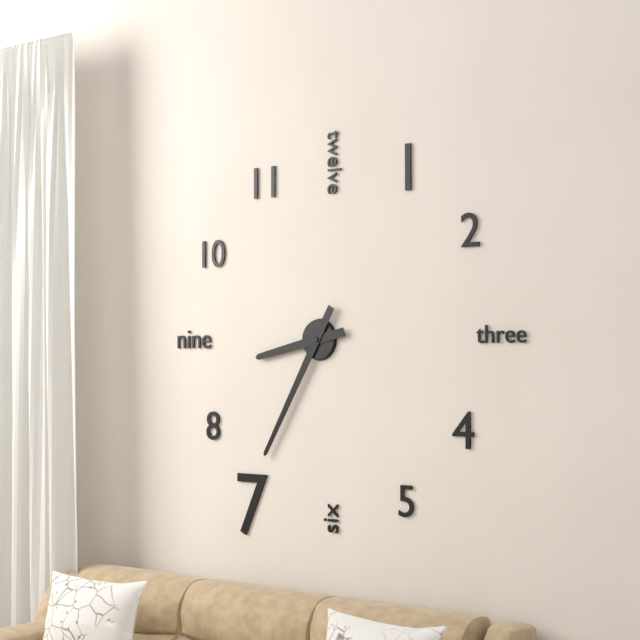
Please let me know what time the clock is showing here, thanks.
8:35
